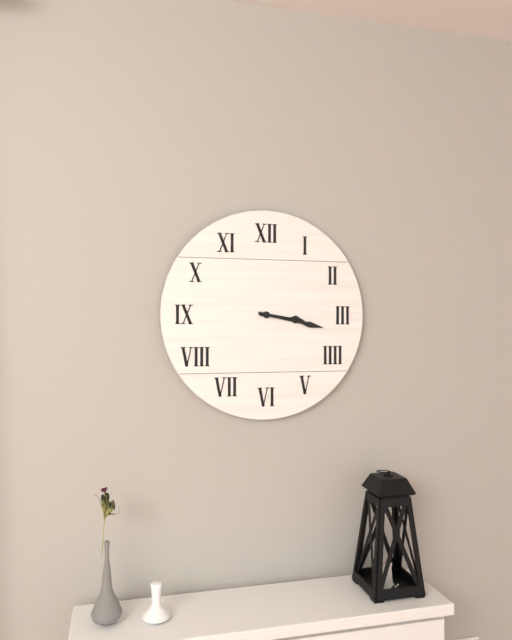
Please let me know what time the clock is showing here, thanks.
3:17
